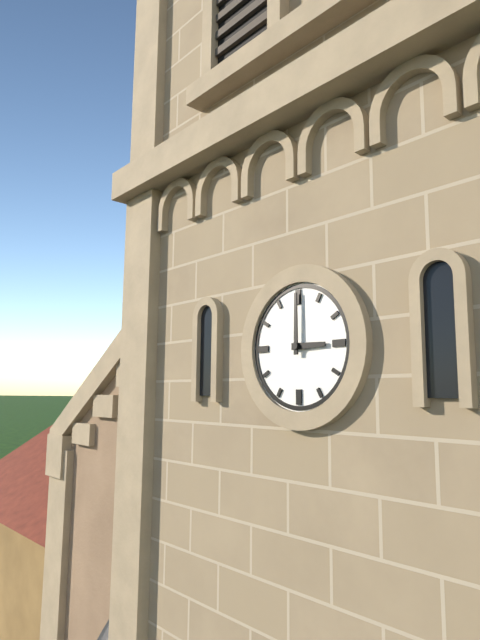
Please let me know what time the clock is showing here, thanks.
3:00
